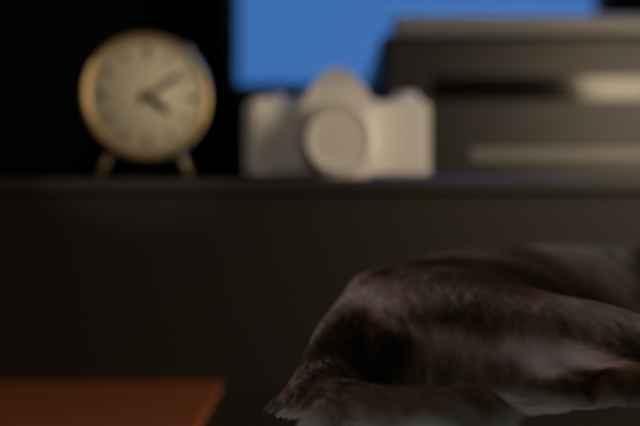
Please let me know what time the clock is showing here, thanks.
4:09
